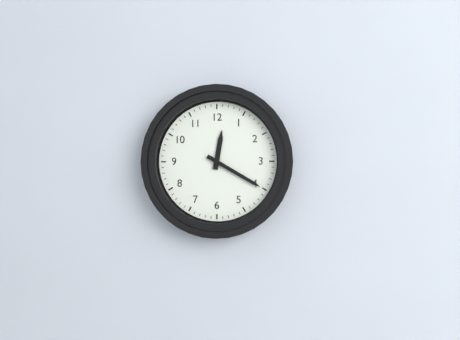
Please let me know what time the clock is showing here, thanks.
12:20
